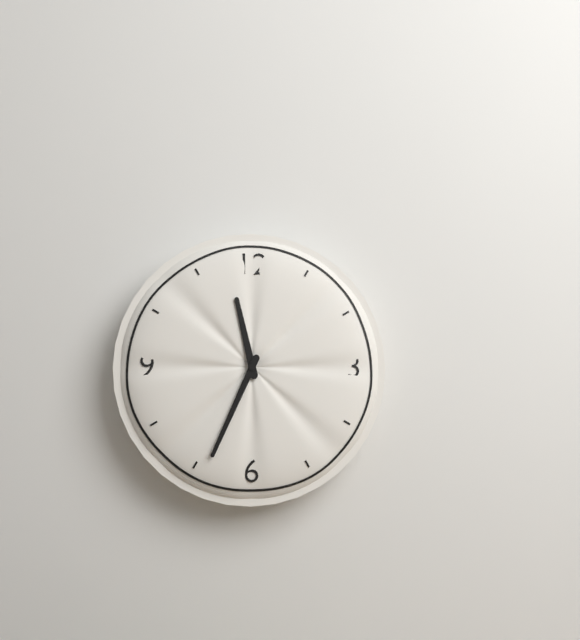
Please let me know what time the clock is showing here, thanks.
11:34
